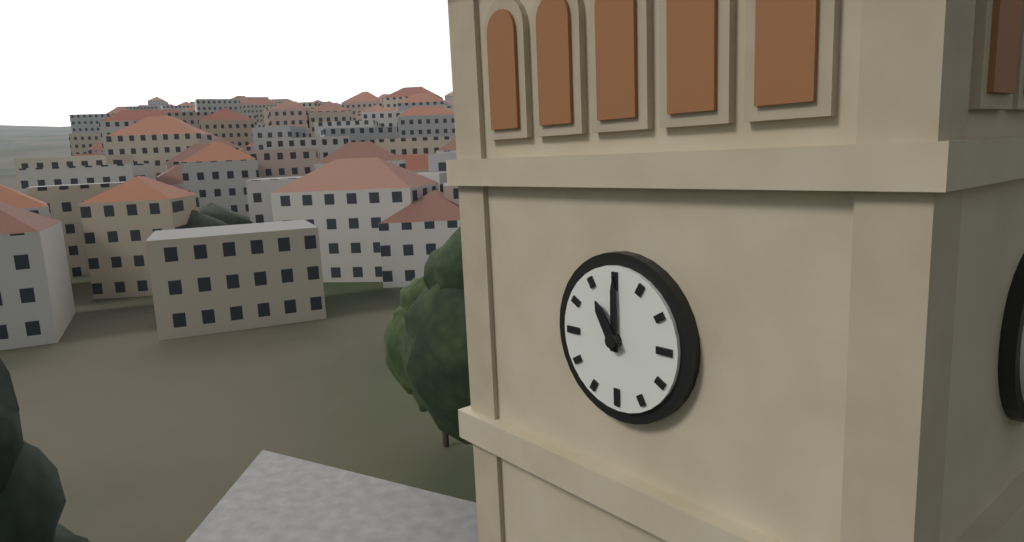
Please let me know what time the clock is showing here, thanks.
11:00
